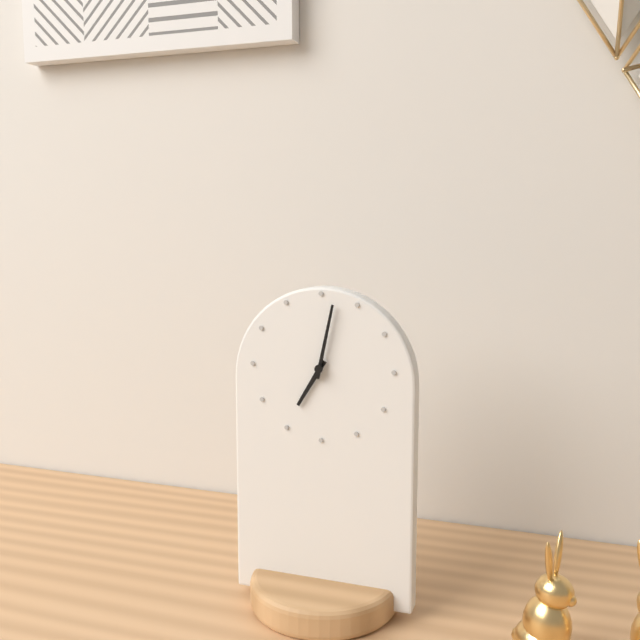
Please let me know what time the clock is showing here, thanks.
7:02
